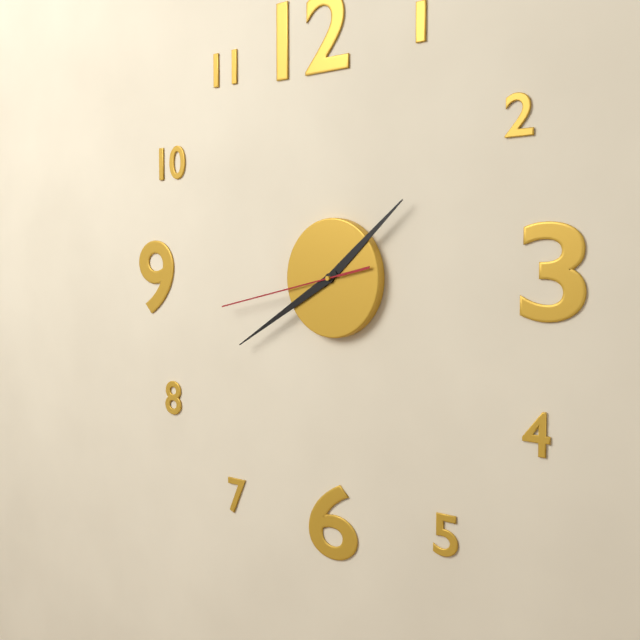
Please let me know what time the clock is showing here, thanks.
1:40:43
